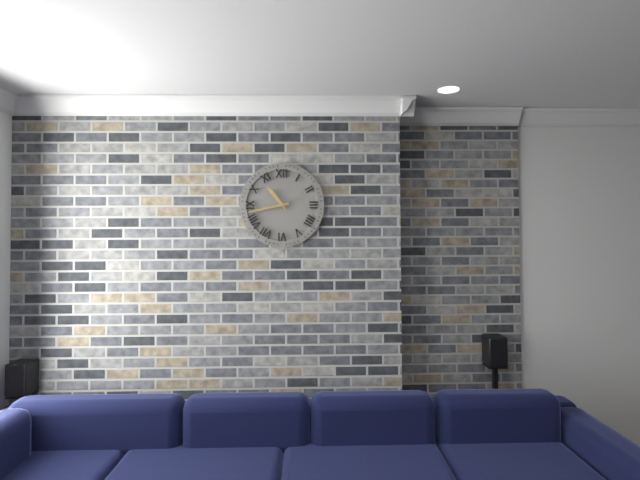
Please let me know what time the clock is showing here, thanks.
10:43
